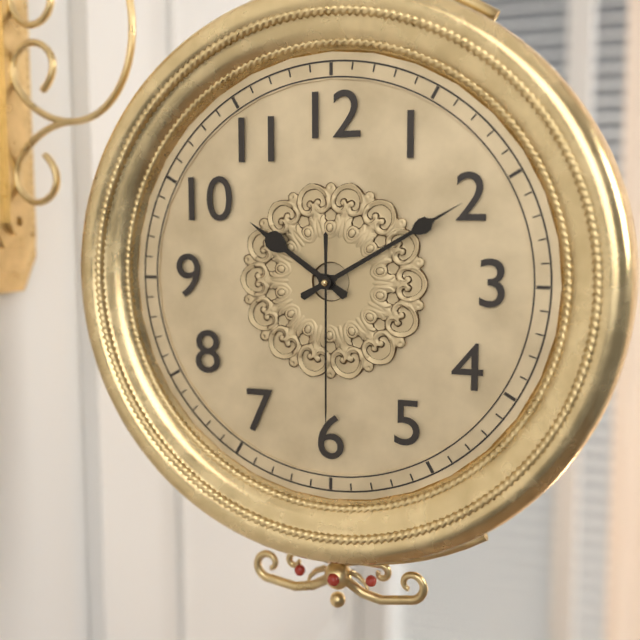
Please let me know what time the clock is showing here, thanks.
10:10:30
